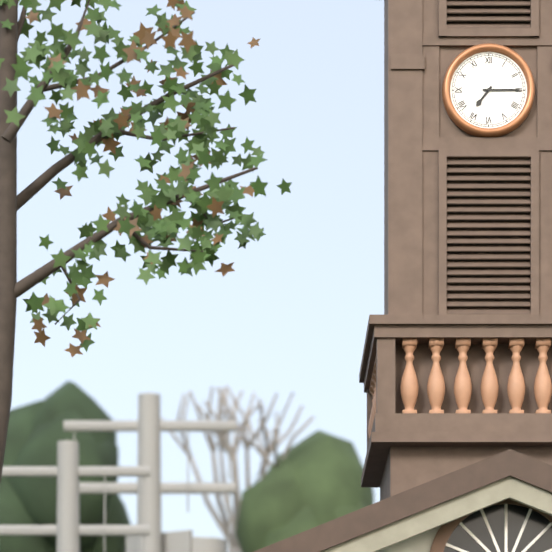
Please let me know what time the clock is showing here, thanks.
7:15
